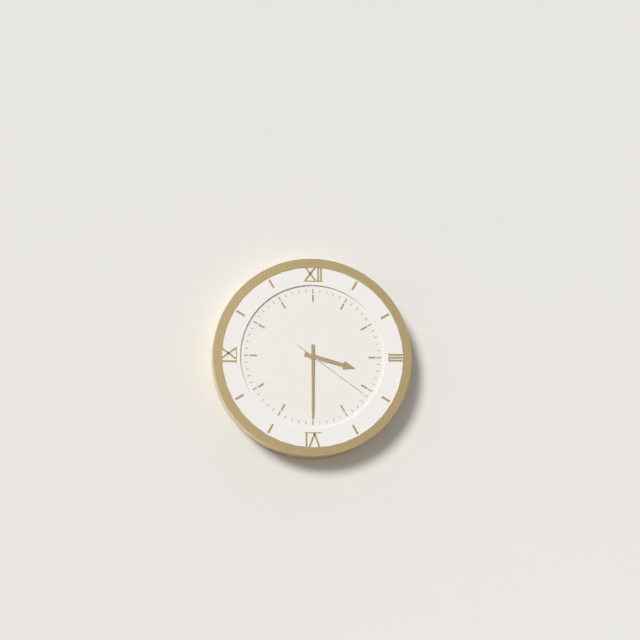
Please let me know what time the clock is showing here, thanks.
3:30:21
